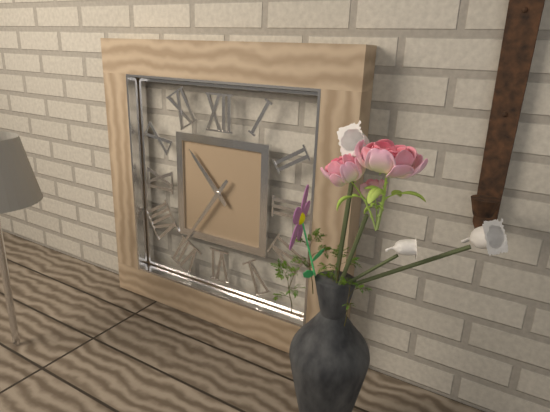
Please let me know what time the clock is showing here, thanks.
10:36
